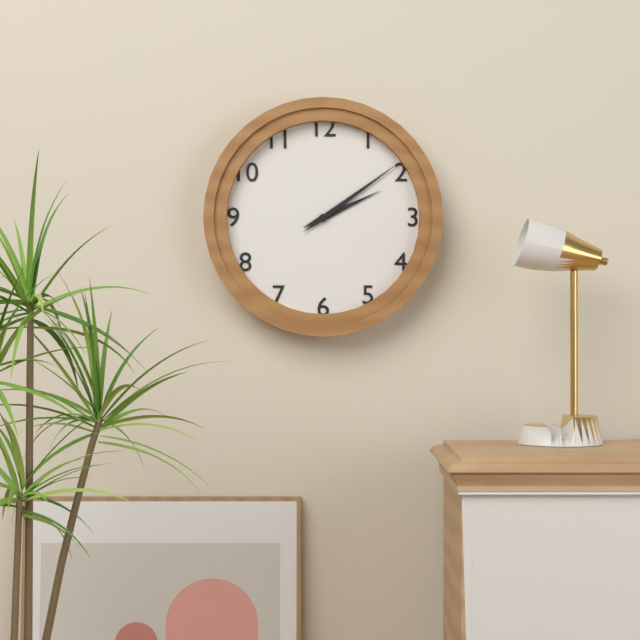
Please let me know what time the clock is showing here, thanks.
2:09
